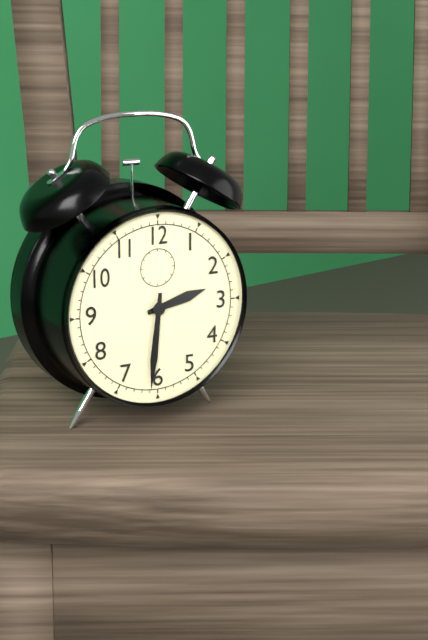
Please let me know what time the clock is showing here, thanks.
2:31
